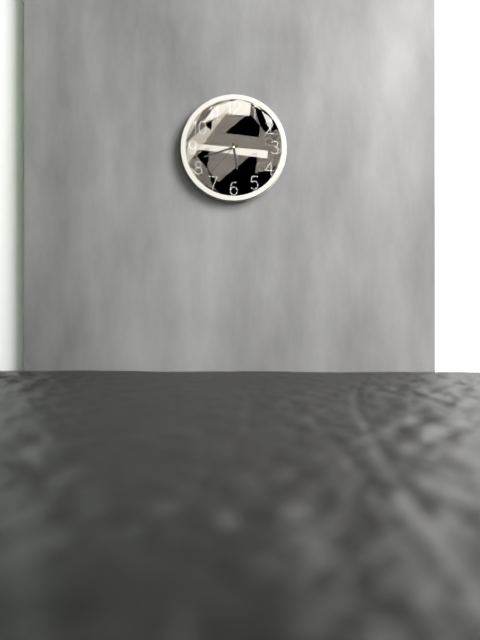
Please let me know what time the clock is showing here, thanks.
5:42
